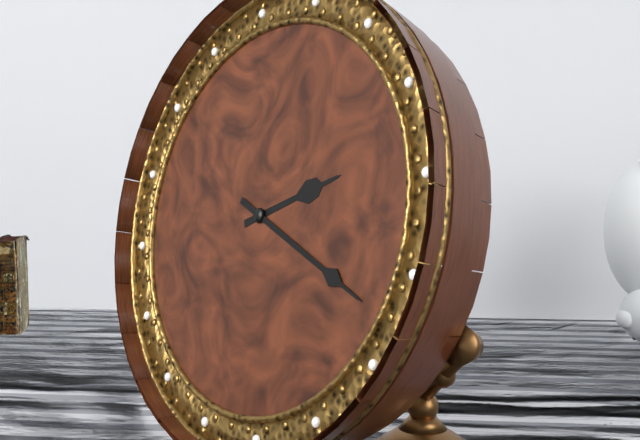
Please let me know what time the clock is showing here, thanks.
2:19
